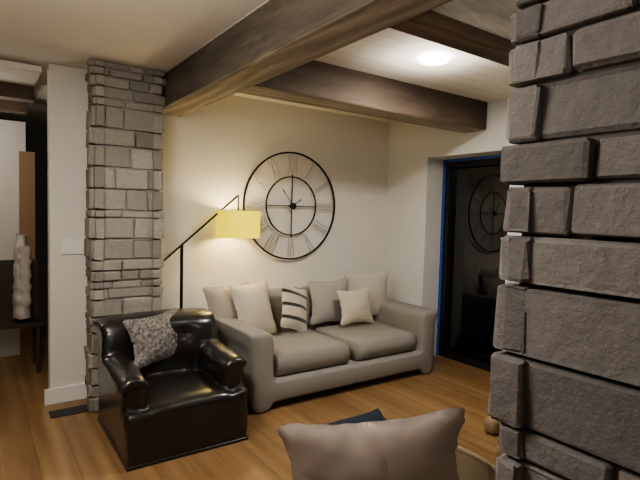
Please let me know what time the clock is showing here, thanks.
1:54
